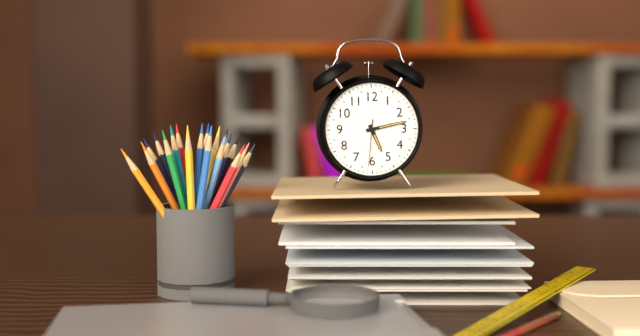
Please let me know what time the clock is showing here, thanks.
5:13
